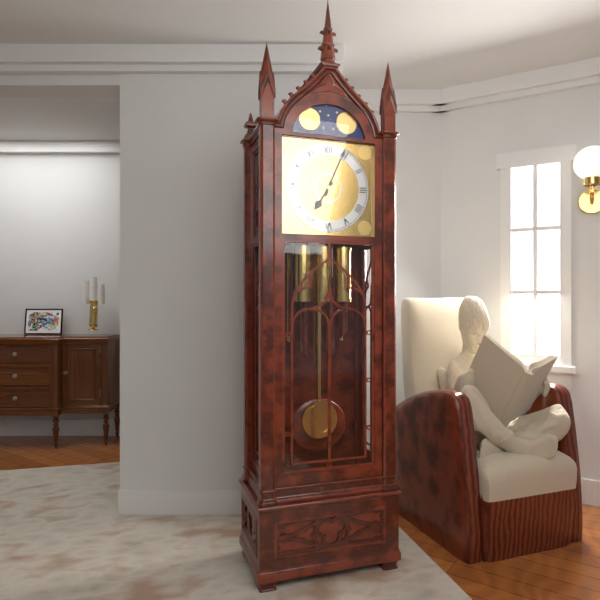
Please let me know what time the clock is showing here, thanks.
7:04
